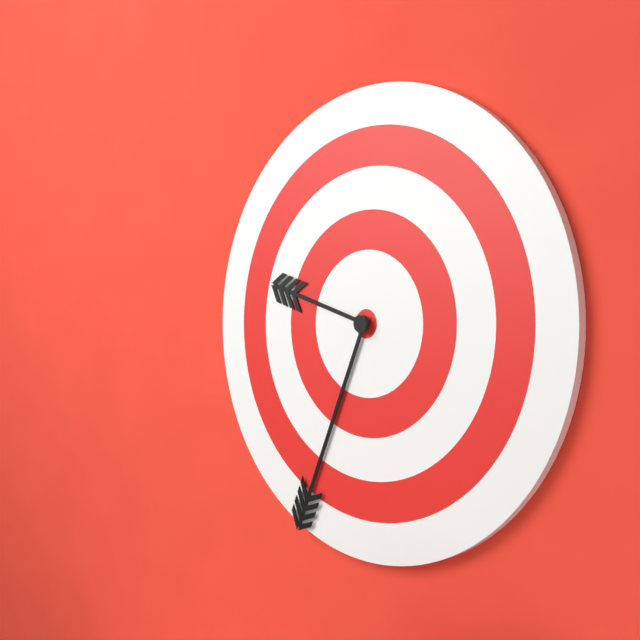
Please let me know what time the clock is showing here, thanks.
9:34
